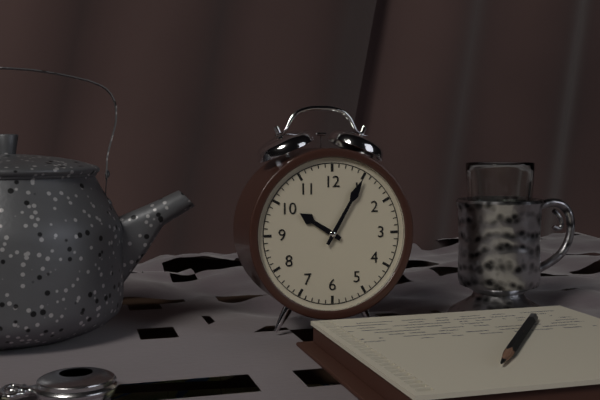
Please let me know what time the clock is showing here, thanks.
10:05
